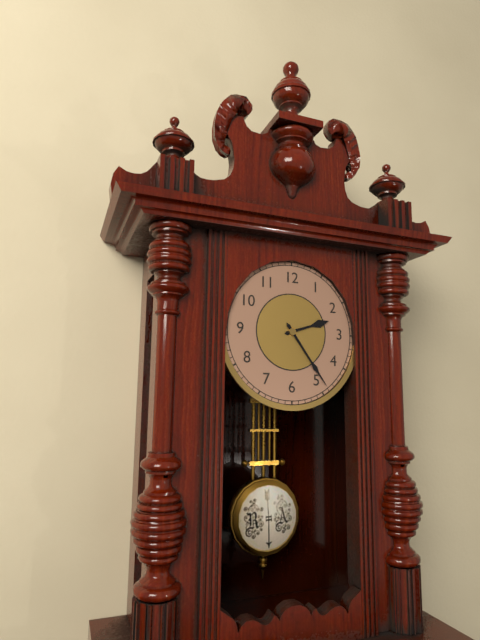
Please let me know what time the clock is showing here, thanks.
2:24
